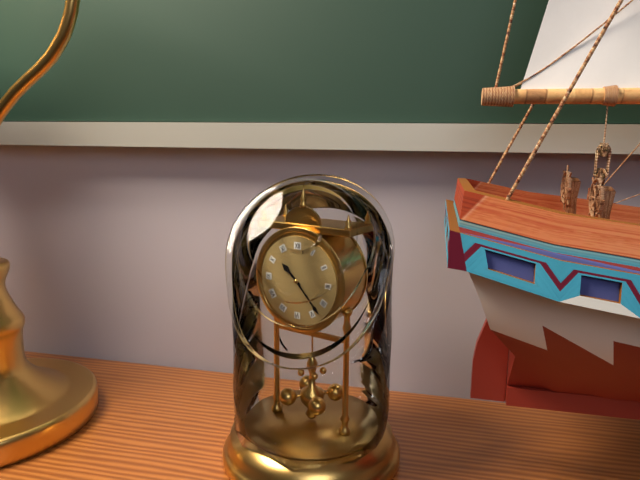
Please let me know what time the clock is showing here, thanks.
10:23
